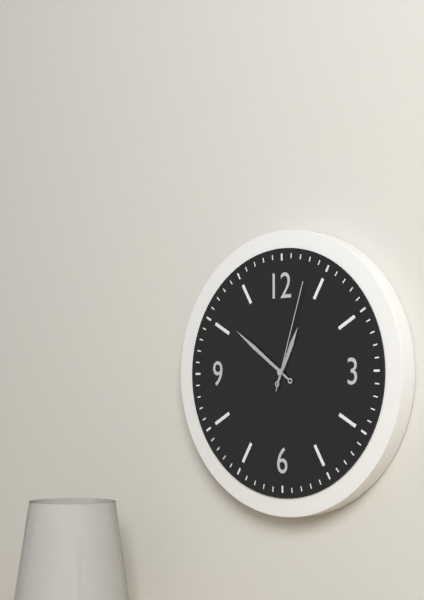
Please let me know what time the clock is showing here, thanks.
12:51:03
